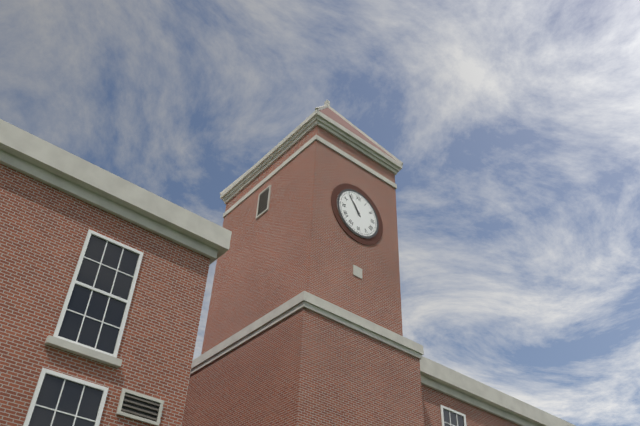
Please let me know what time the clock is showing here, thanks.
10:54
